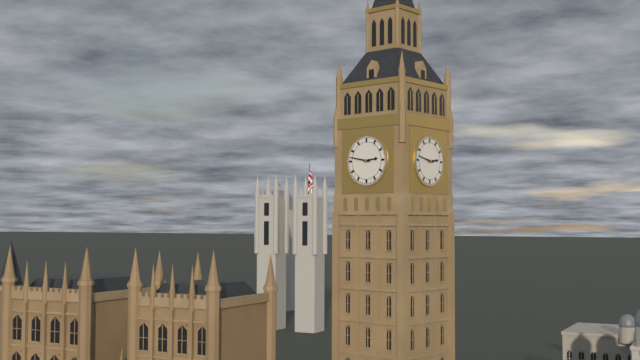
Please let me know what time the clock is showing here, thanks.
2:47
